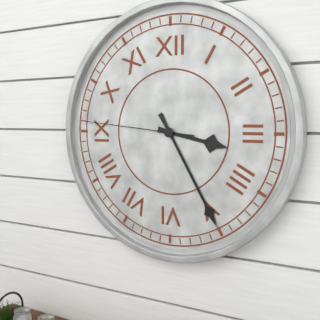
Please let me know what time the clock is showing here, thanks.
3:25:46
